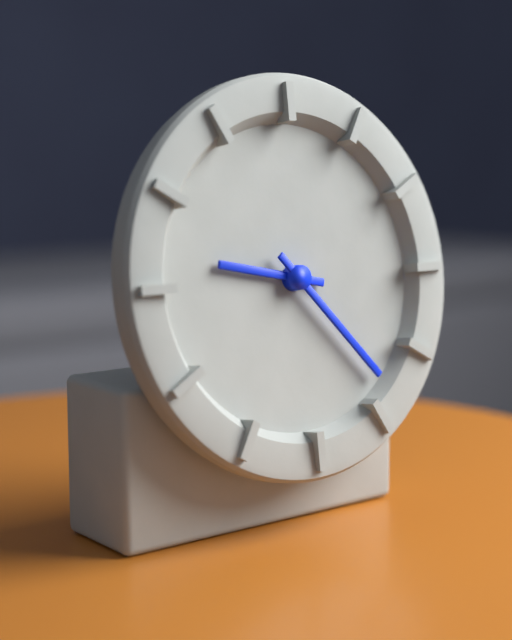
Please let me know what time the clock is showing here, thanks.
9:23
